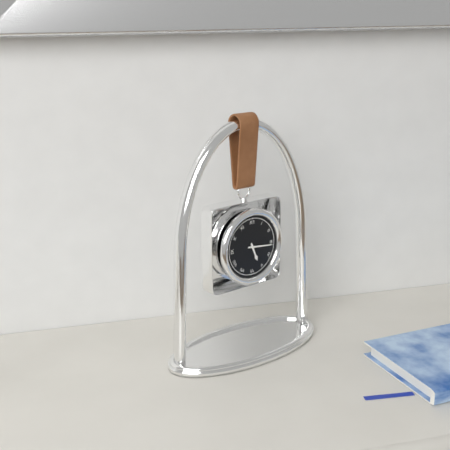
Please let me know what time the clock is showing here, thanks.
5:16
